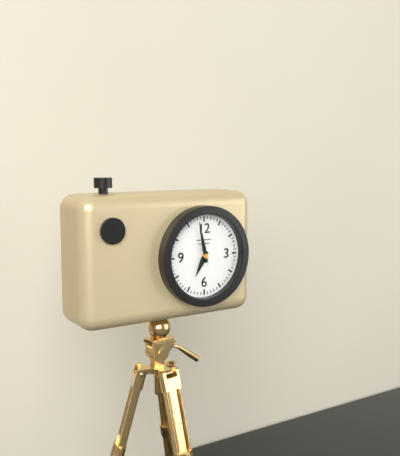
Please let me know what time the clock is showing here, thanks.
6:58
